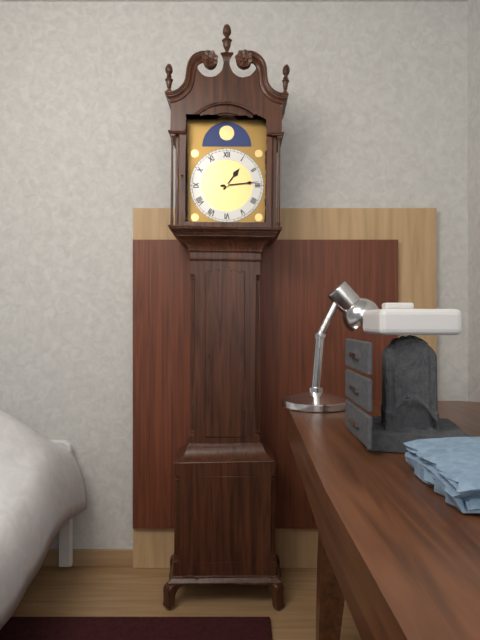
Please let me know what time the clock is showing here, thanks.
1:14
